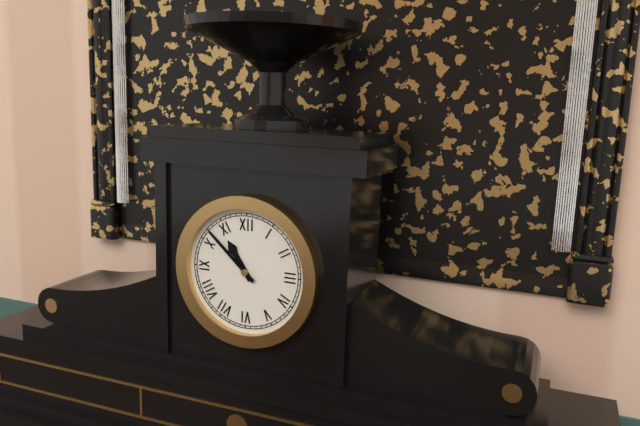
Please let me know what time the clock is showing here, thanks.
10:52
